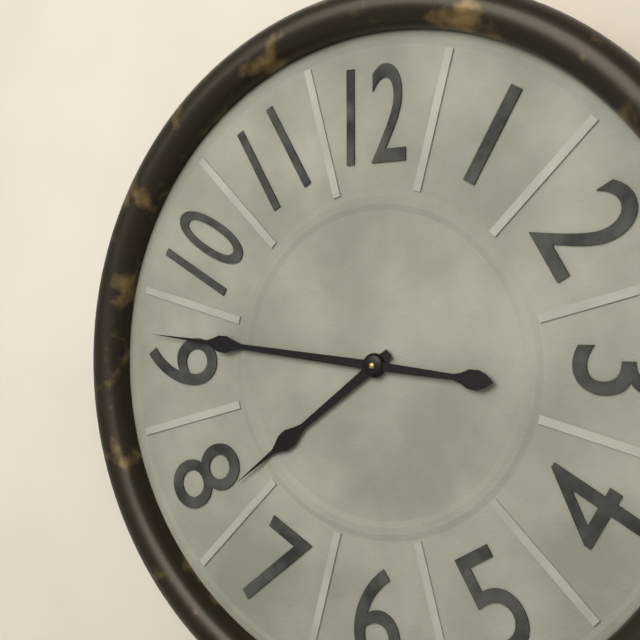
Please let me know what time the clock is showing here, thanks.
7:46
